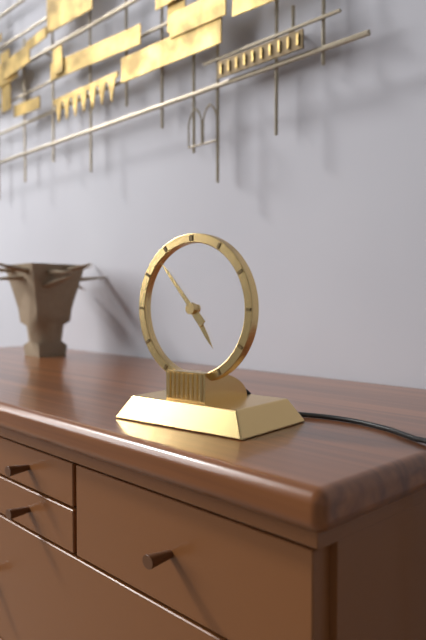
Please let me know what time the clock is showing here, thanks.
4:53
